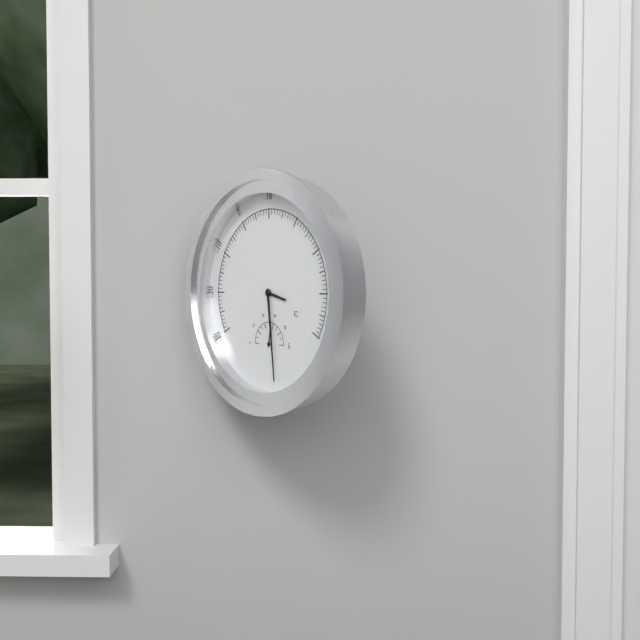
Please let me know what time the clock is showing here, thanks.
3:29
